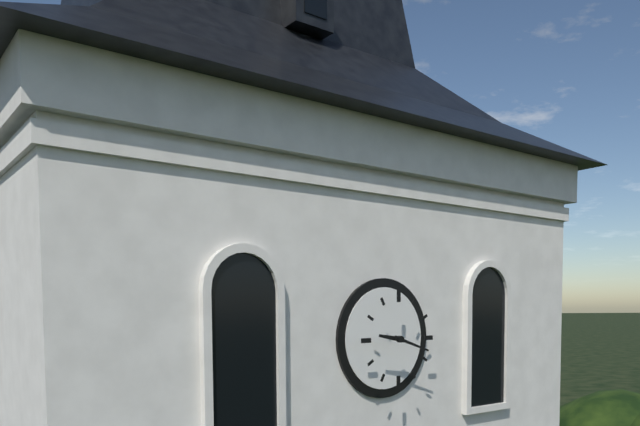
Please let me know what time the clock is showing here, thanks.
9:18
